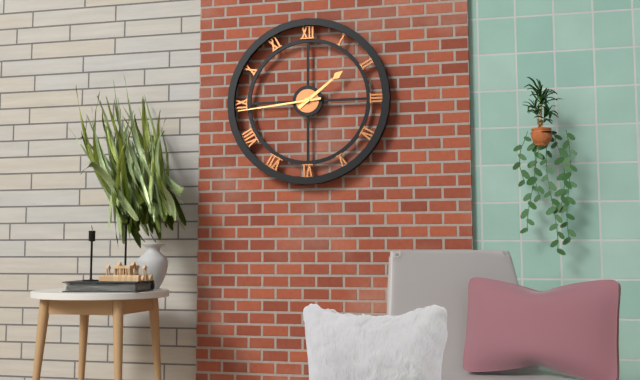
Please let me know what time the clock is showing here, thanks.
1:44
